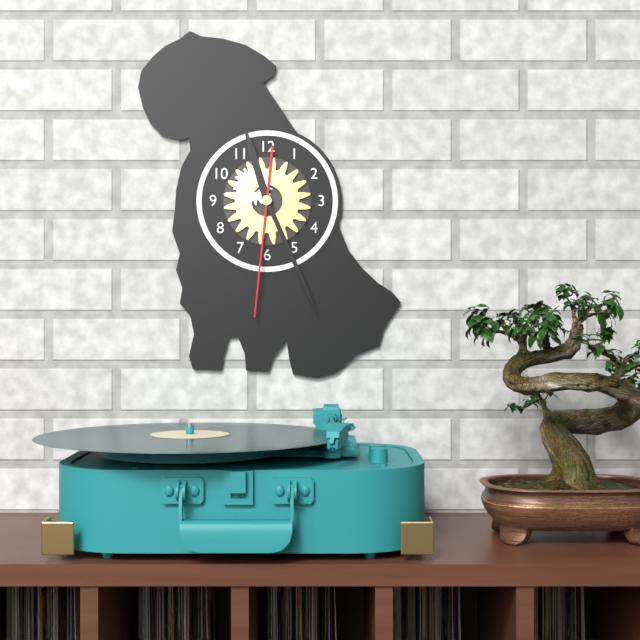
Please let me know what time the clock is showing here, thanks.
11:26:31
